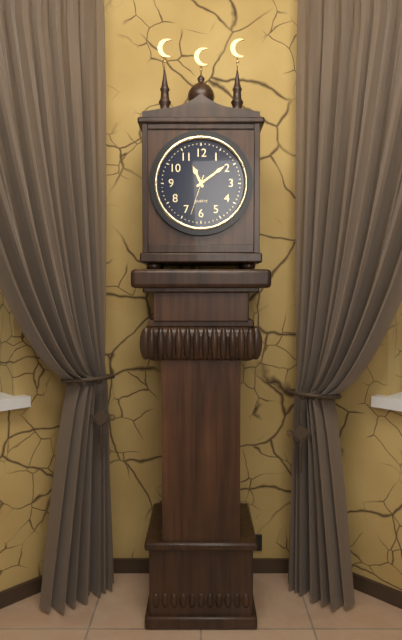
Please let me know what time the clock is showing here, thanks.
11:09
